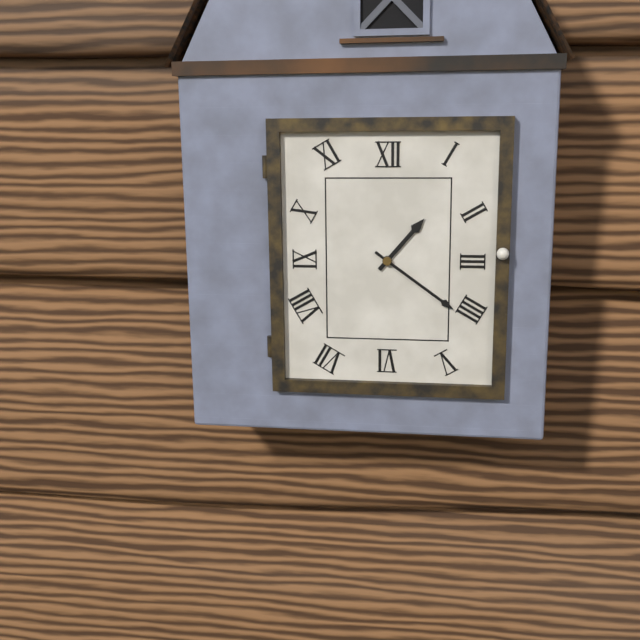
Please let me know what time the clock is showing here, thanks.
1:21
